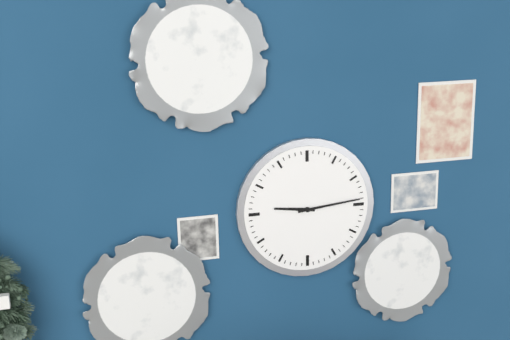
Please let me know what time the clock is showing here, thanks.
9:14
